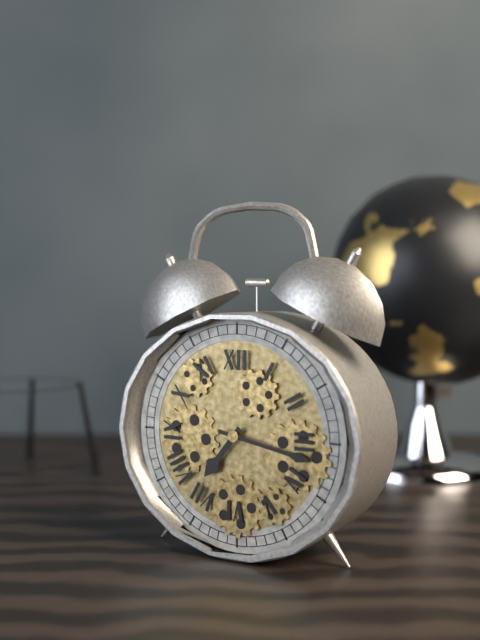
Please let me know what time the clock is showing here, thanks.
7:17
